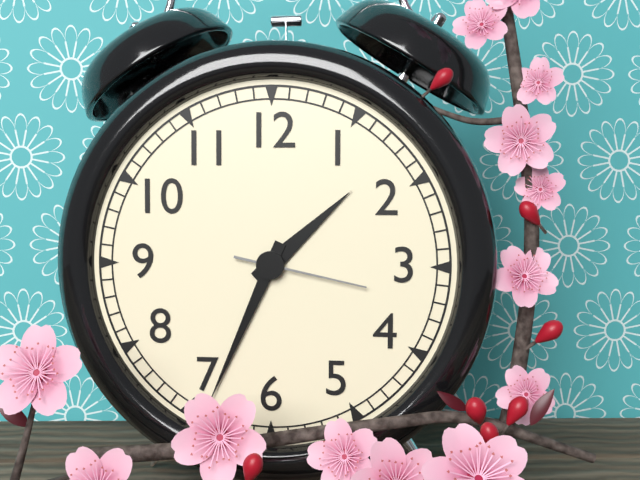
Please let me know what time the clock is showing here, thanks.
1:34:17
